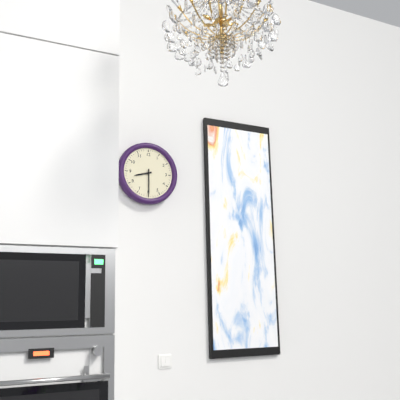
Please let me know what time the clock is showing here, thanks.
8:30
